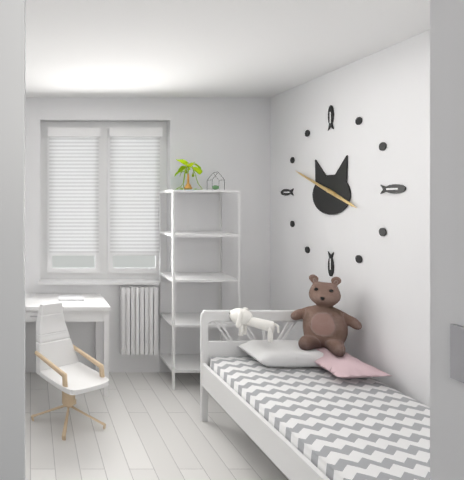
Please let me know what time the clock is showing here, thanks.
3:49
